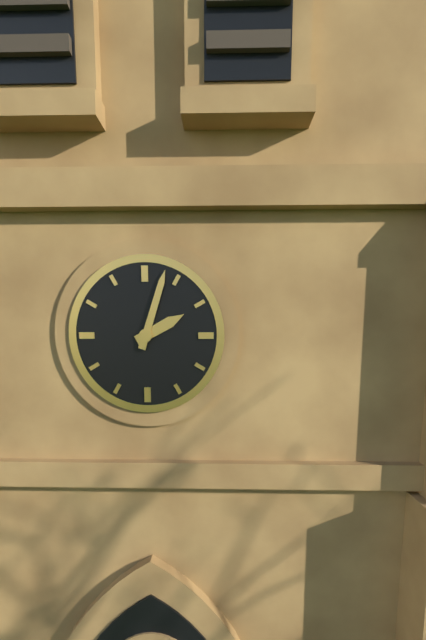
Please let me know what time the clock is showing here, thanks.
2:03
